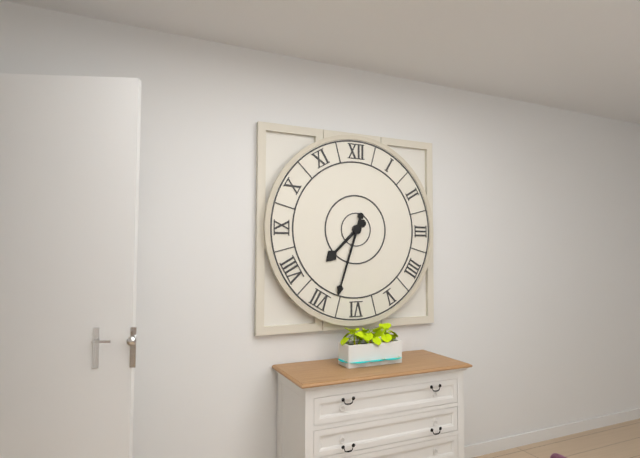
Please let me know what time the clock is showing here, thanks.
7:33
